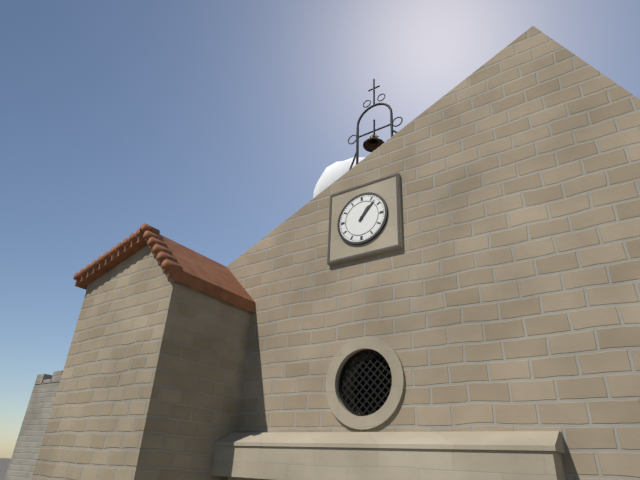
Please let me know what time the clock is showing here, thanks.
1:07
